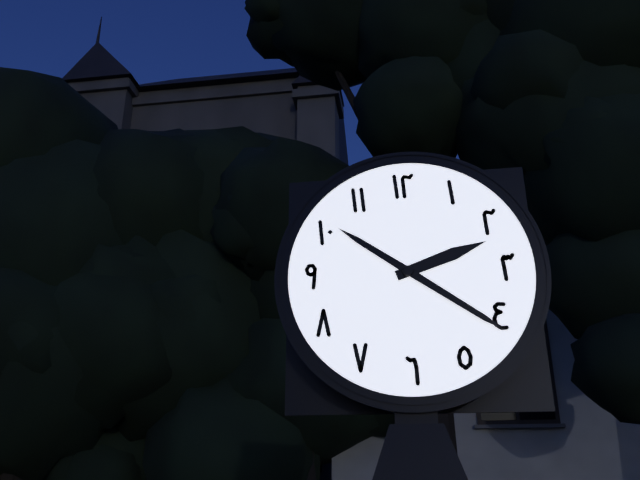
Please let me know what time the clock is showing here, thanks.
2:21
